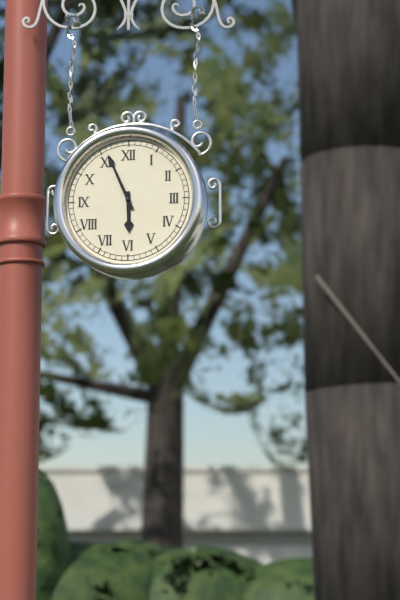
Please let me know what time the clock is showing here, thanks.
5:56
